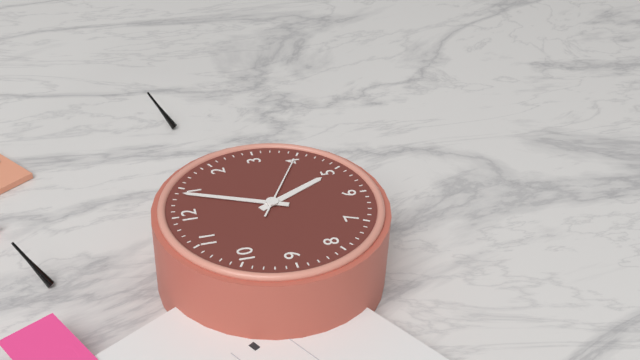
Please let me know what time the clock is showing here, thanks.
5:04:20
